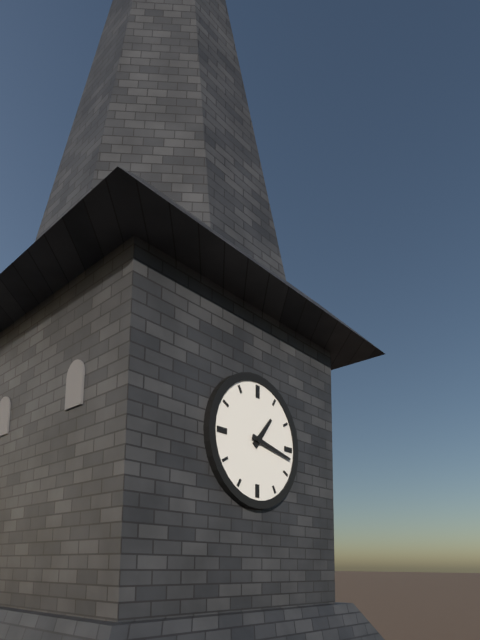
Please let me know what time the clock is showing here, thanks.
1:17
